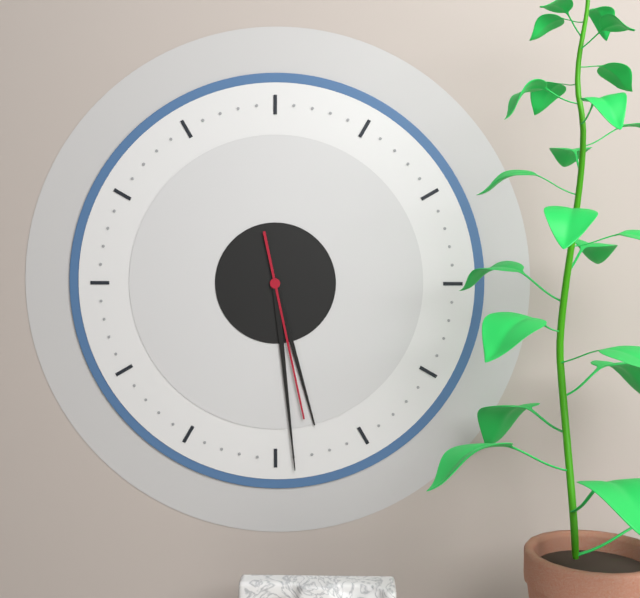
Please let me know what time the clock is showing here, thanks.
5:29:28
